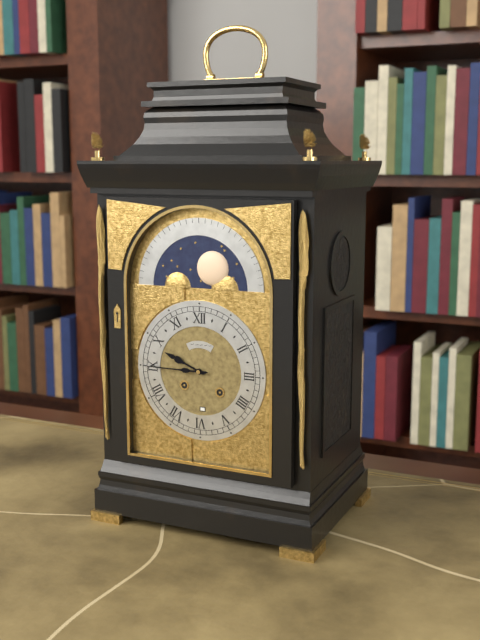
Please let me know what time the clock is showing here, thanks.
9:45
